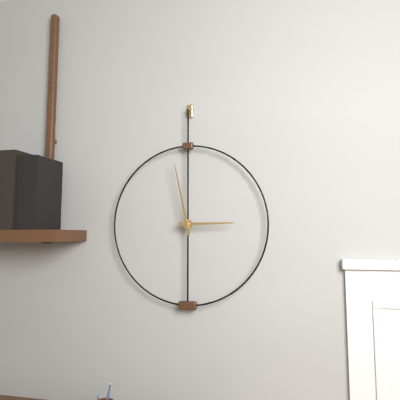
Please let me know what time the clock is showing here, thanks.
2:58
